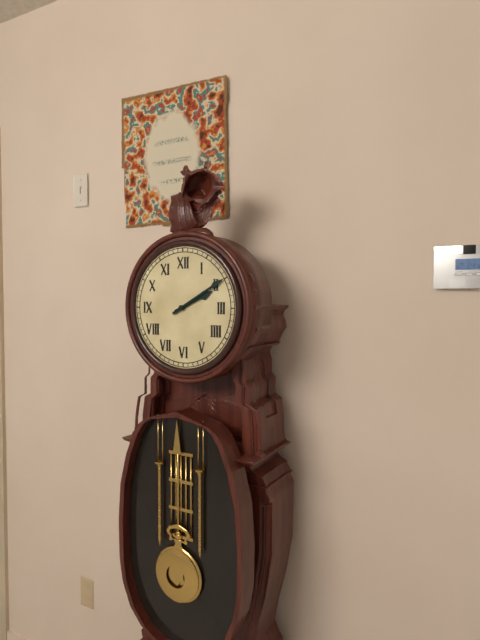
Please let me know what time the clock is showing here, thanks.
2:10
